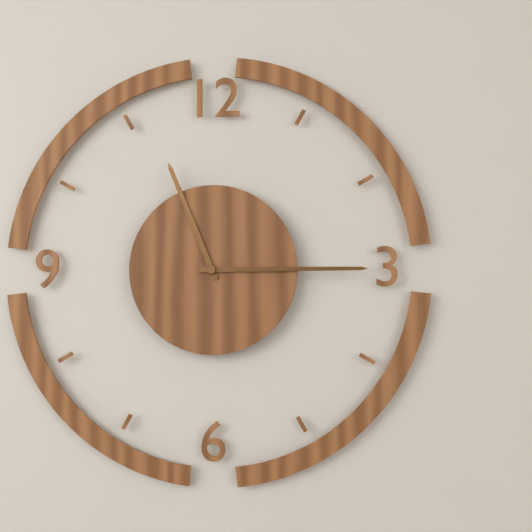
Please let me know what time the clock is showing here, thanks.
11:15
